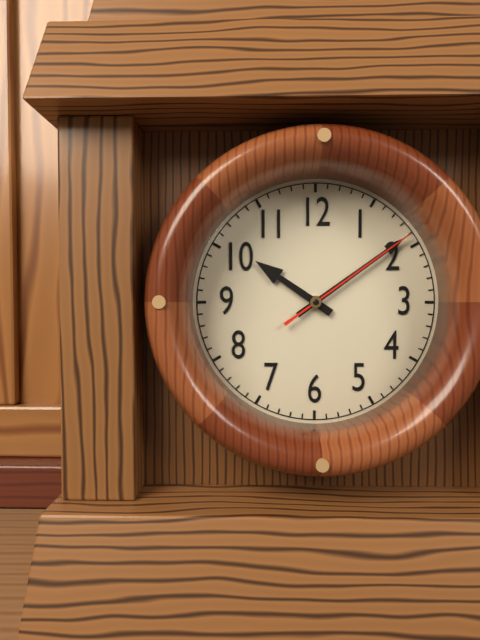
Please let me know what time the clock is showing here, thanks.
10:09:09
